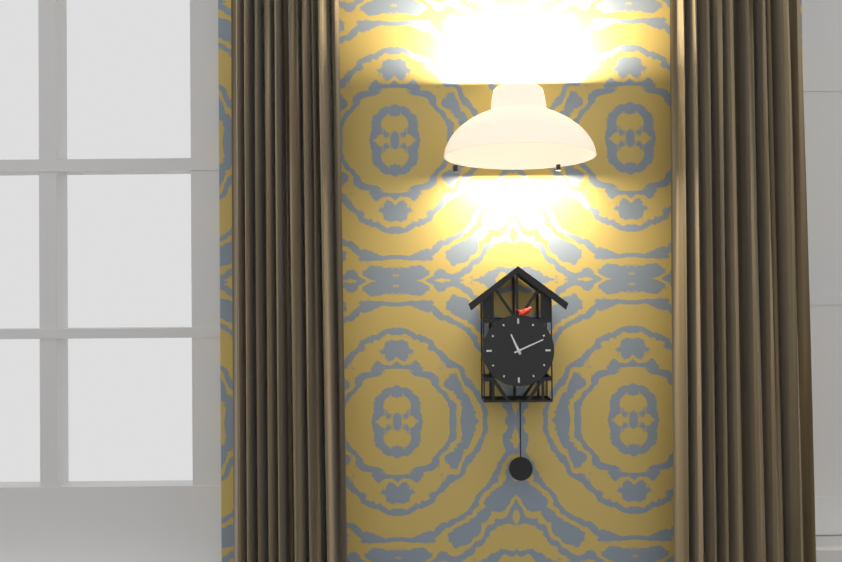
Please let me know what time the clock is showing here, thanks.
11:11
